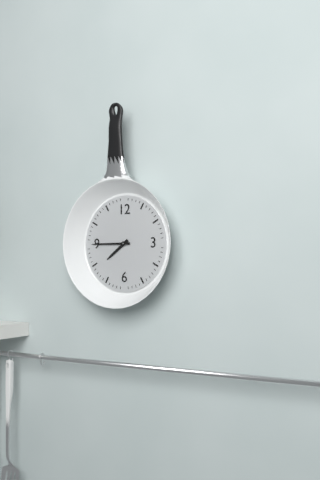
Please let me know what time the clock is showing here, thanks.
7:45
